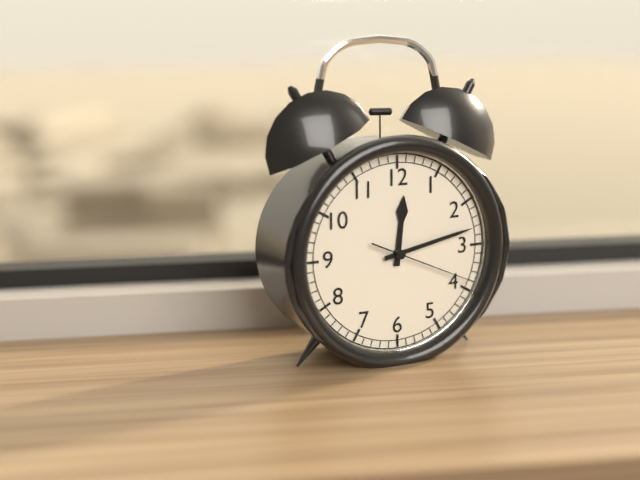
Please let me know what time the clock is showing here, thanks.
12:13:19
